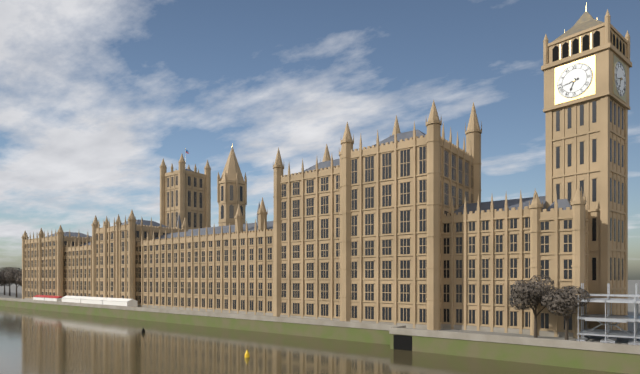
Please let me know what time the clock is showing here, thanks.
6:43
